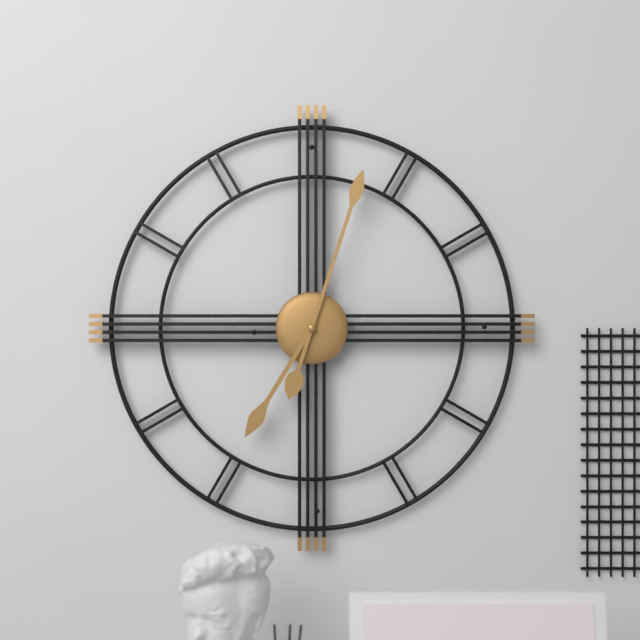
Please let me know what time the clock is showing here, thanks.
7:03
